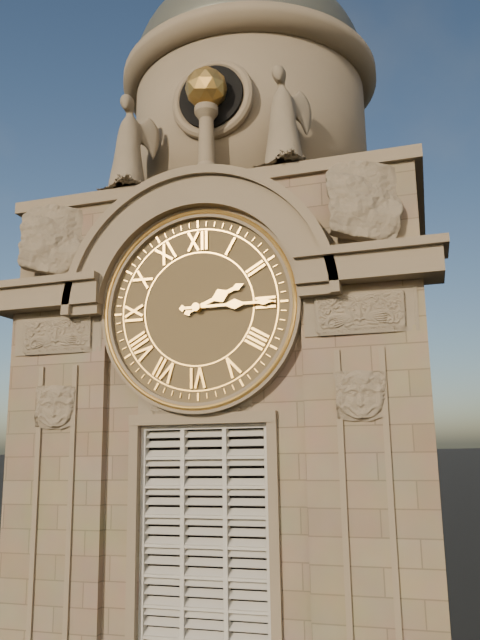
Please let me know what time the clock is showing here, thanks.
2:15
